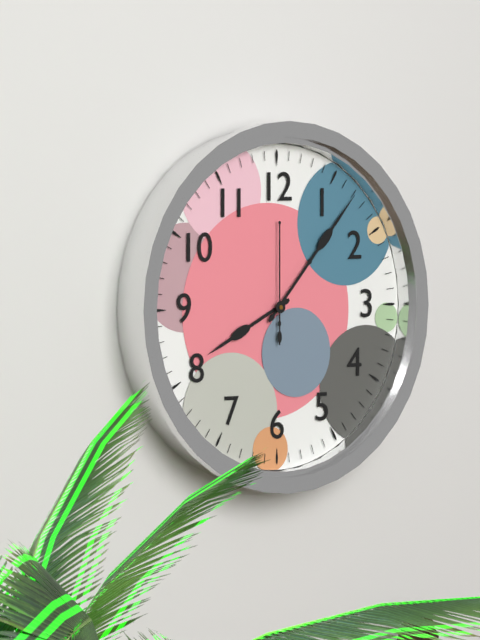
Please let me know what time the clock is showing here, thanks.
8:07:00
